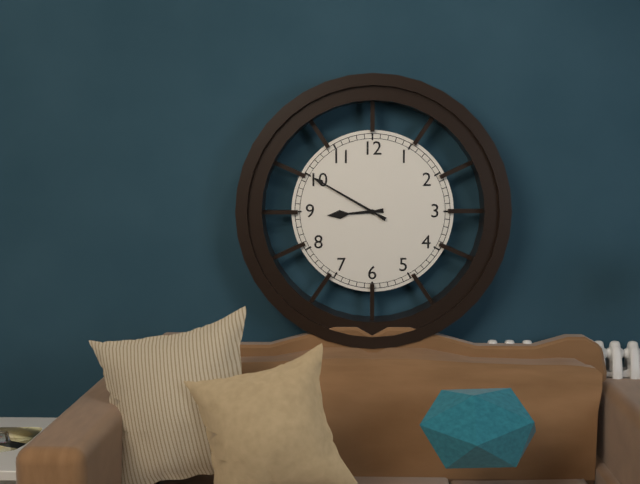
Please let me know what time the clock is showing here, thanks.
8:50
